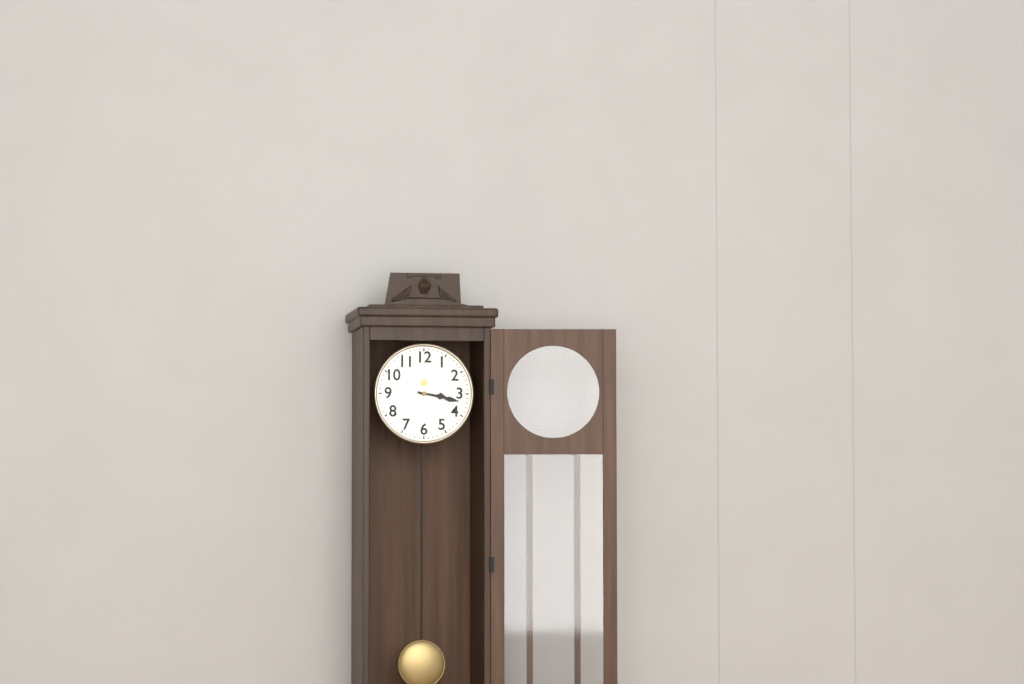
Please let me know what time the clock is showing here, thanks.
3:17
